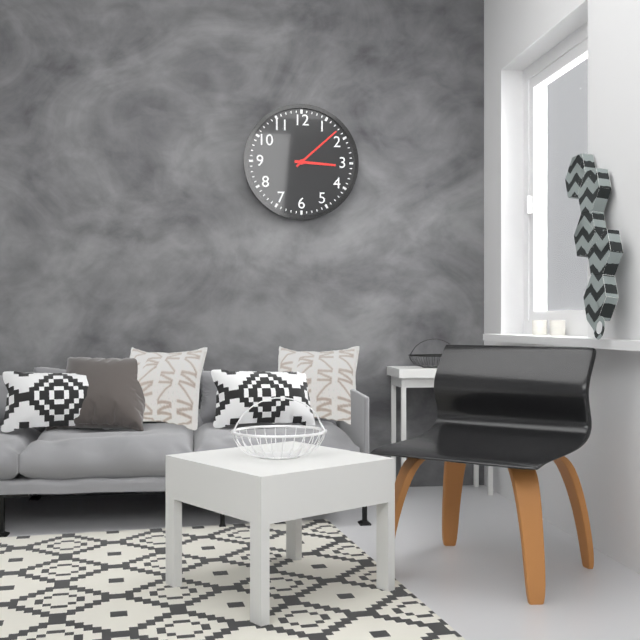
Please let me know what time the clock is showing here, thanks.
3:08
